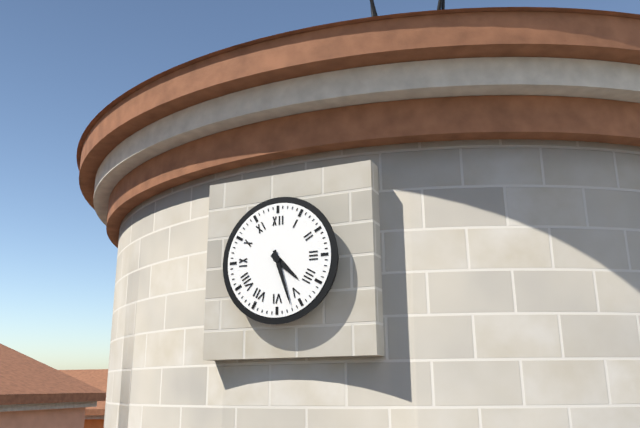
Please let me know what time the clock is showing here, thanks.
4:27
